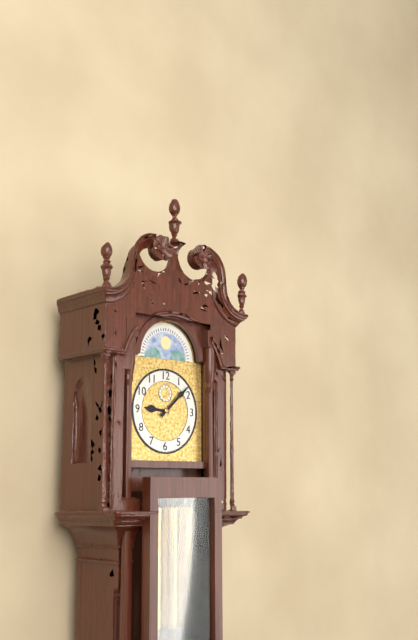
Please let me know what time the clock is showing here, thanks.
9:08
